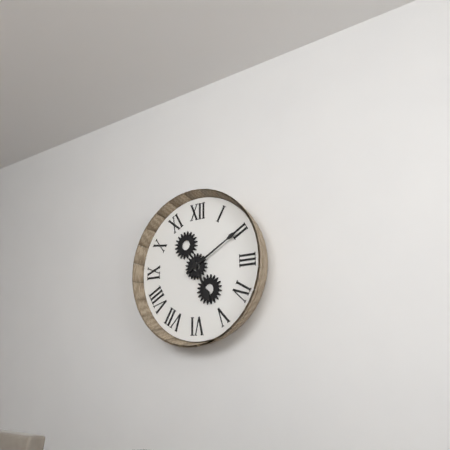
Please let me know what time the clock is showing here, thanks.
5:10
